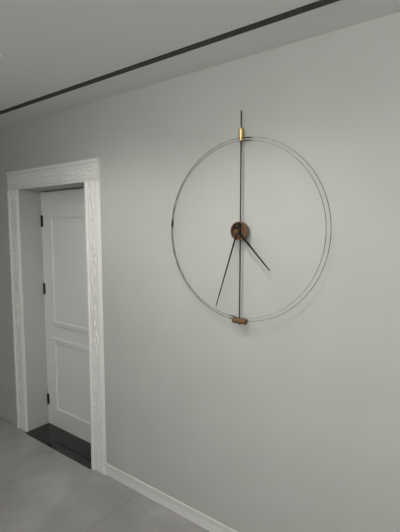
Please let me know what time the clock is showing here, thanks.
4:33
